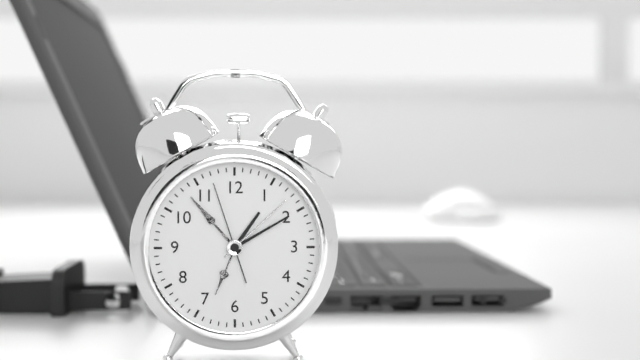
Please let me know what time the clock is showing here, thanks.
1:10:57
